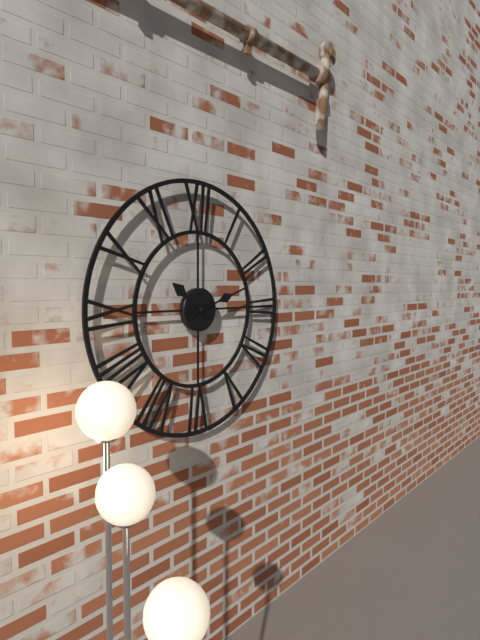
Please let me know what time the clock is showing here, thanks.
10:12
